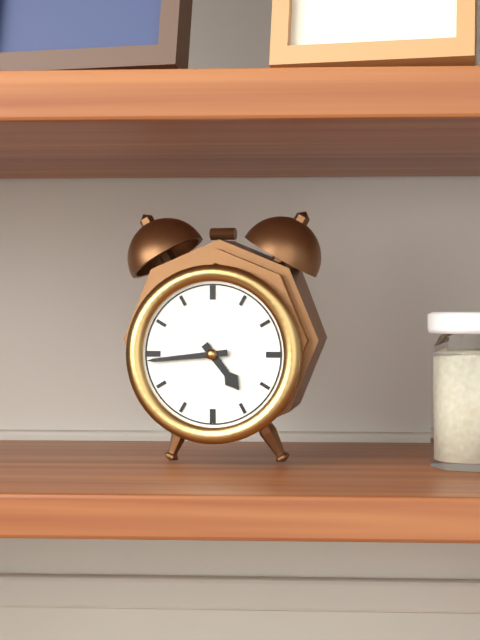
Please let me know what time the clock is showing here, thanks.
4:44
